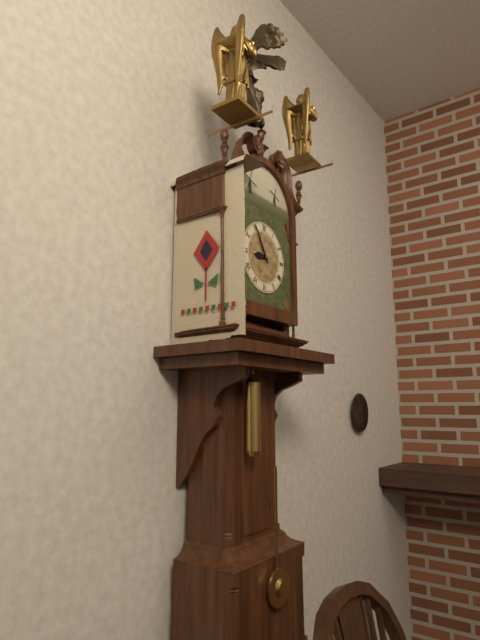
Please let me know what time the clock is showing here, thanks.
8:55
